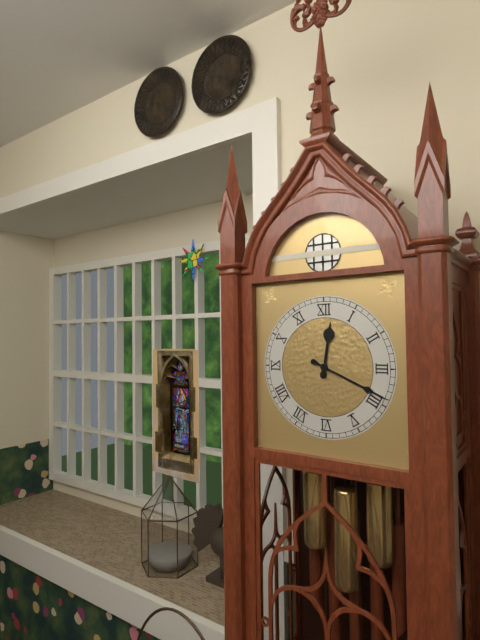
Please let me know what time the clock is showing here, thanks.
12:19
